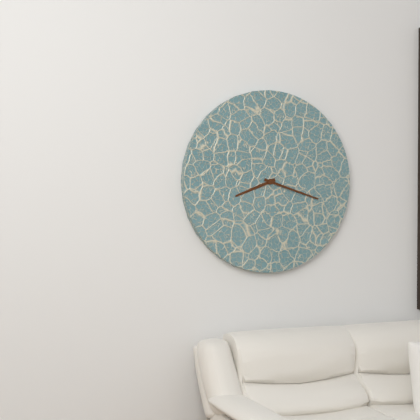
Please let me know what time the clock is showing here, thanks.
8:18
